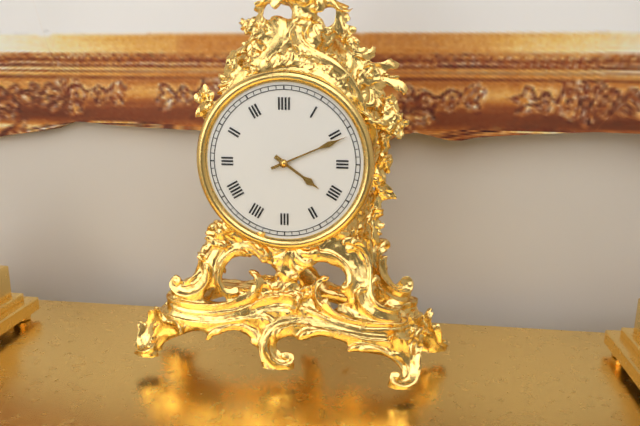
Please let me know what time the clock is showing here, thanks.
4:11
